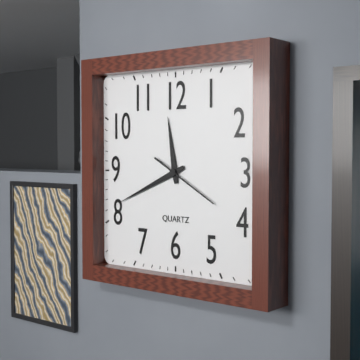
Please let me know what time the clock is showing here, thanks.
11:41:20
